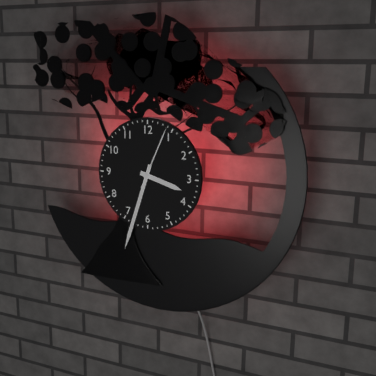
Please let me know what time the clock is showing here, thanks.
3:33:04
